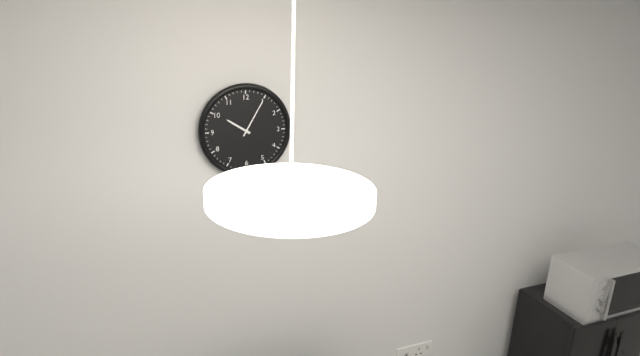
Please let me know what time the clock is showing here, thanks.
10:05
